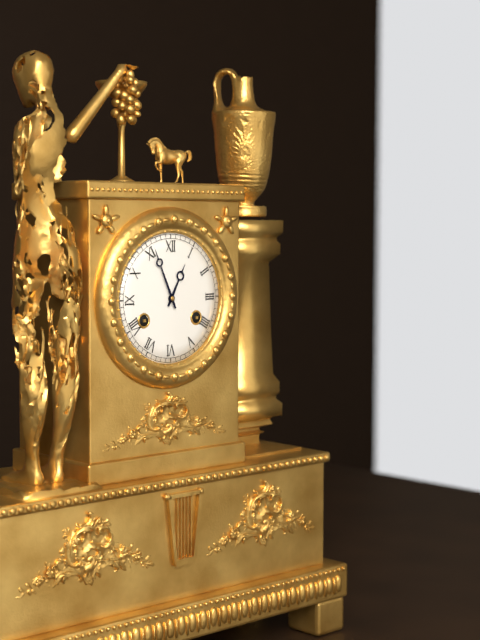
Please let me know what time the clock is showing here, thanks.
12:56
